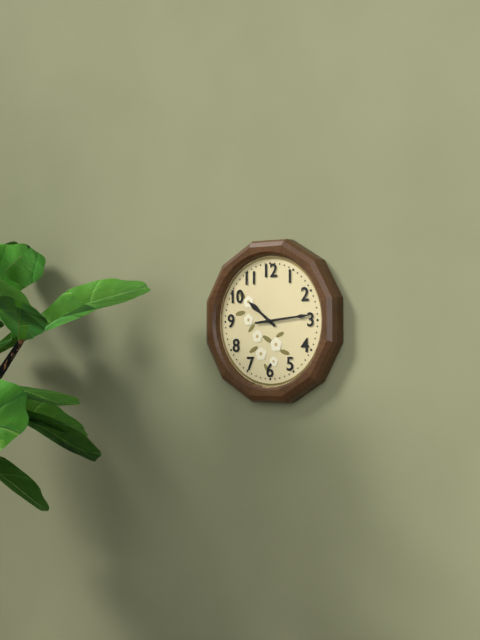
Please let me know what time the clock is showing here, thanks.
10:14
